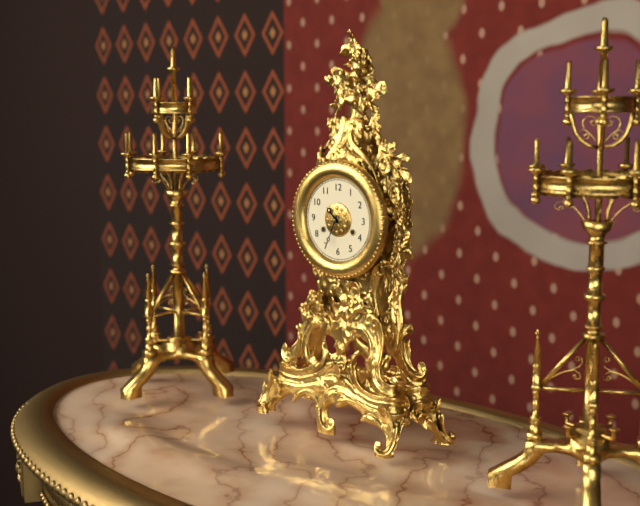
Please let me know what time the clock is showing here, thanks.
10:34
